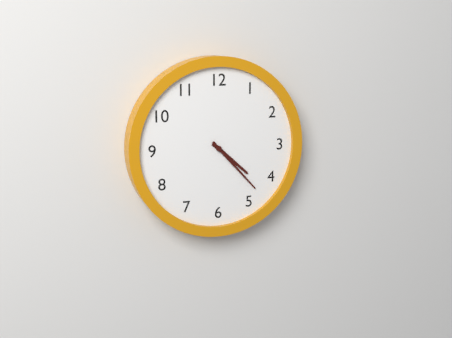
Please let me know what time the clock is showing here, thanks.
4:23
